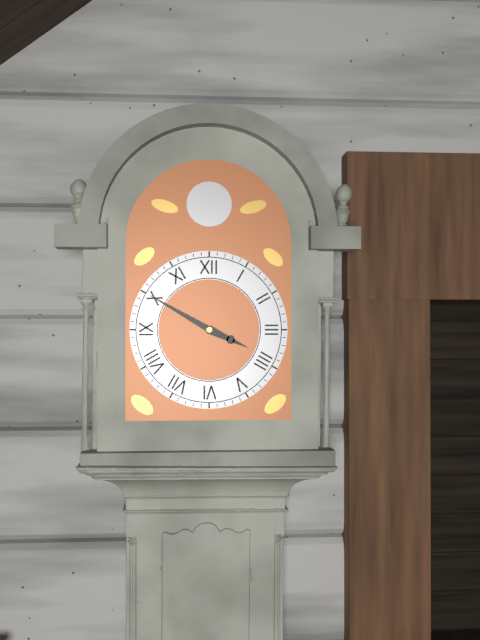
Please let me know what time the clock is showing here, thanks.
3:50
